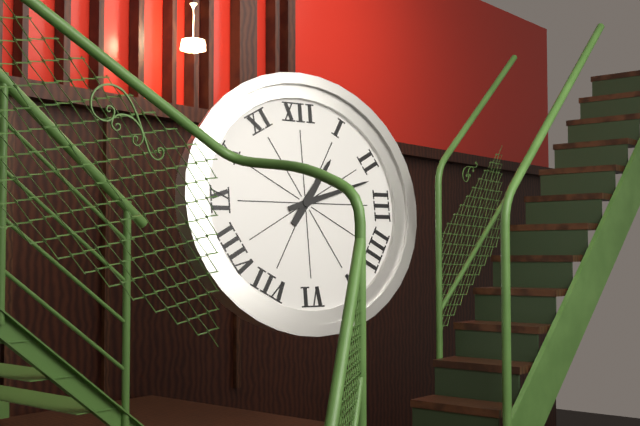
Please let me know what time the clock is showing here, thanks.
1:12
